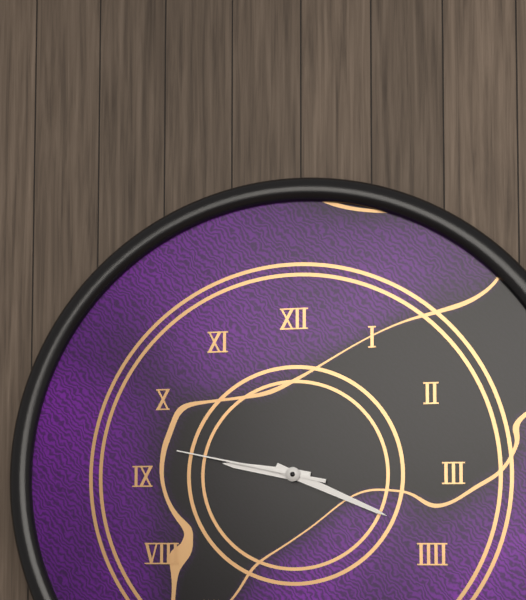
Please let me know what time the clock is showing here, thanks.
9:19:47
